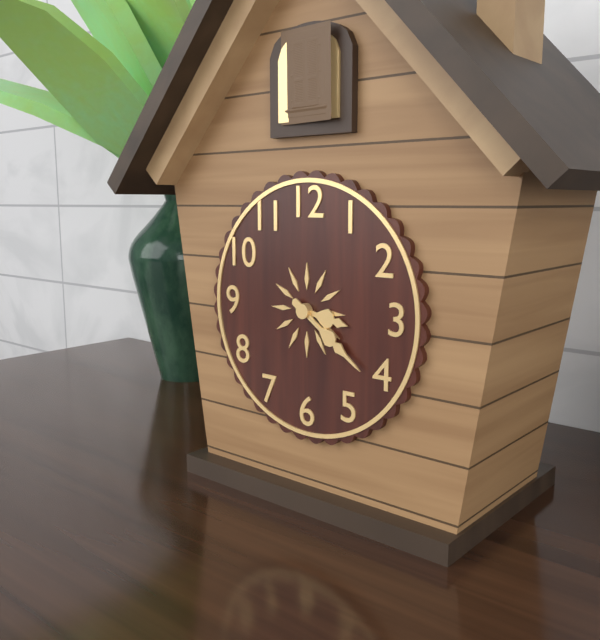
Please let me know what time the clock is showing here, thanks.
3:21
